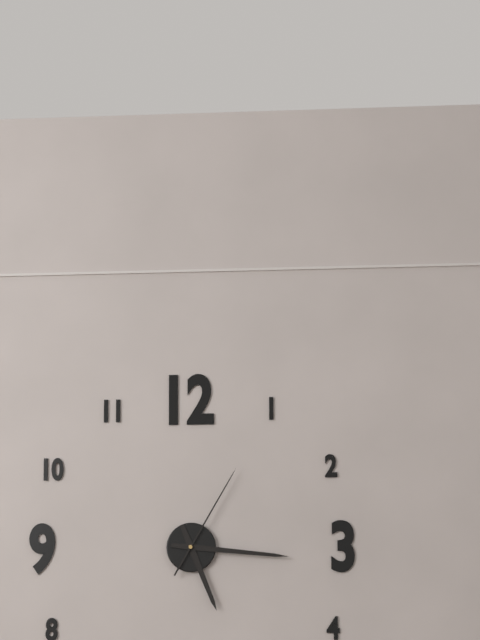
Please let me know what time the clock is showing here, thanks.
5:16:05
